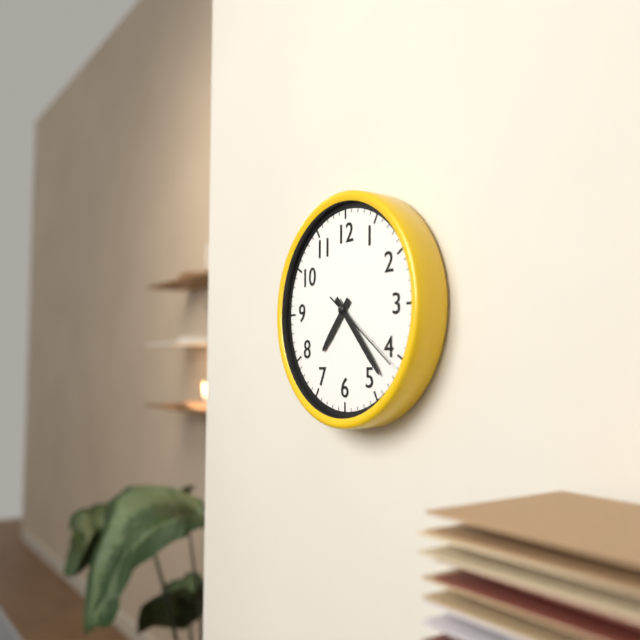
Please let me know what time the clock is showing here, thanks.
7:23:21
